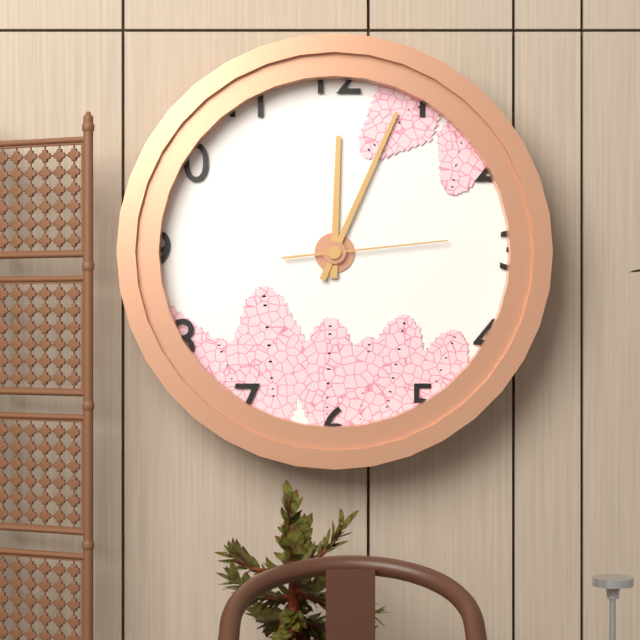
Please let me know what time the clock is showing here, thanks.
12:04:14
